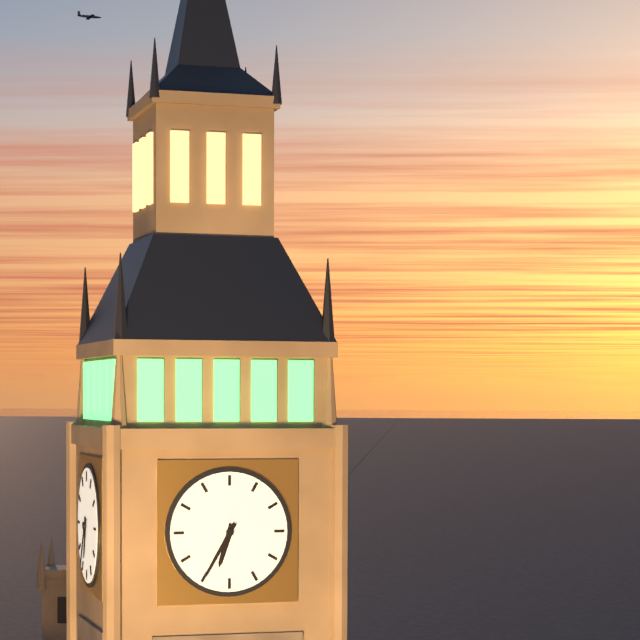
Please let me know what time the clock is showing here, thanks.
6:35
